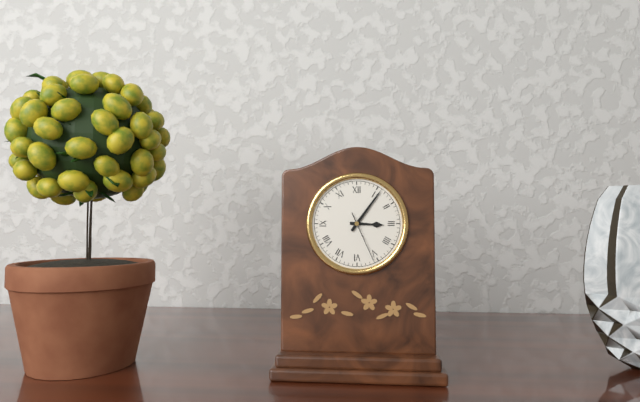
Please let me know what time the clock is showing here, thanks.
3:06:26
